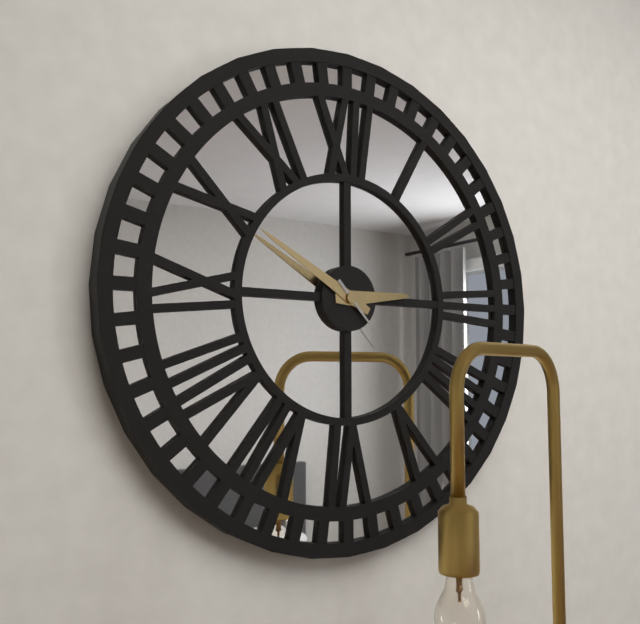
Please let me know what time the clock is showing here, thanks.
2:50:23
